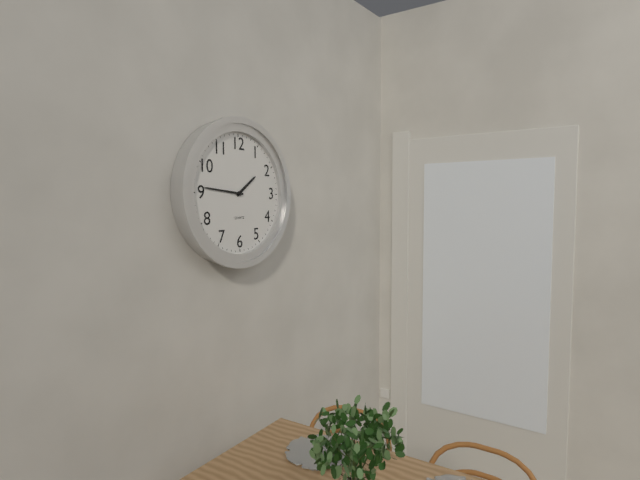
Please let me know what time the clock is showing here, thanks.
1:46
